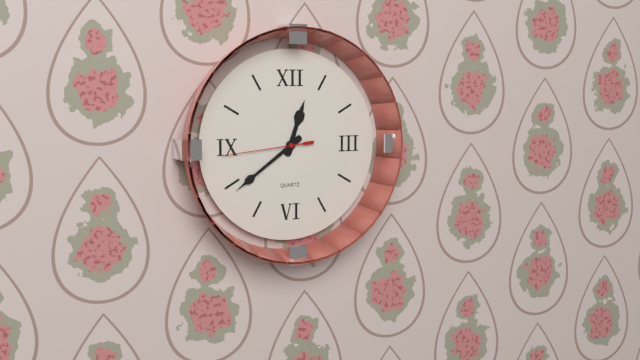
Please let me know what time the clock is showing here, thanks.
12:39:44
